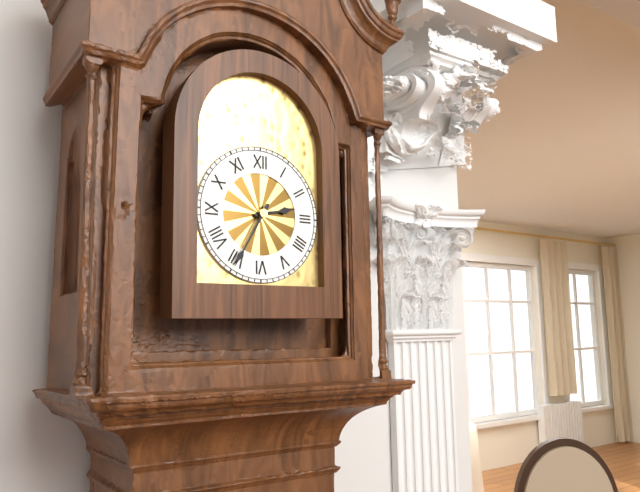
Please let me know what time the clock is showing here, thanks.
2:35
